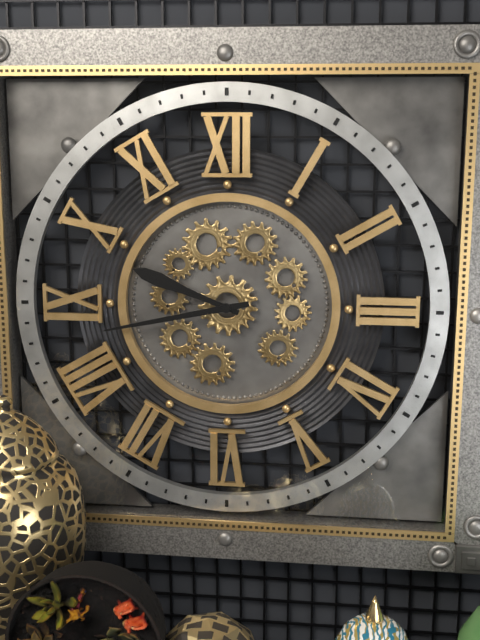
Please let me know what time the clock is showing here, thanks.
9:43
